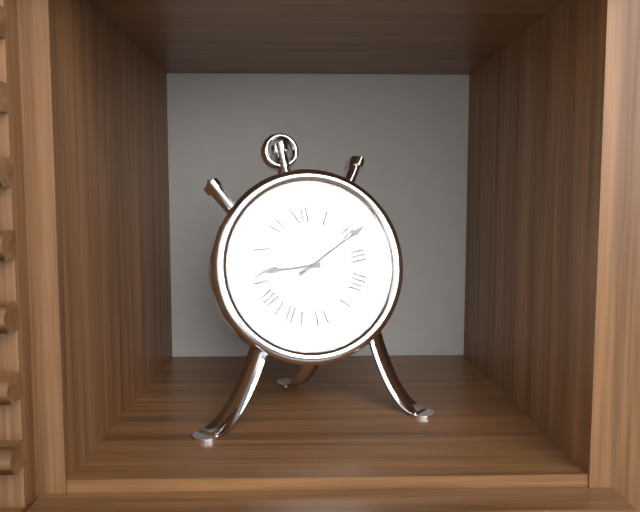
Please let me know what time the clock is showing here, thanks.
9:11
